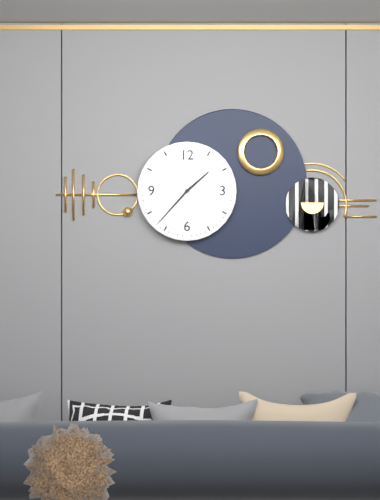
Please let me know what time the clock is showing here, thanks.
1:37
